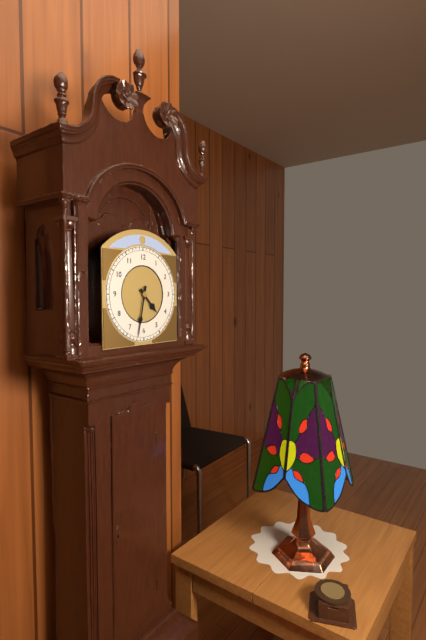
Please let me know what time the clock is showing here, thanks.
4:32
